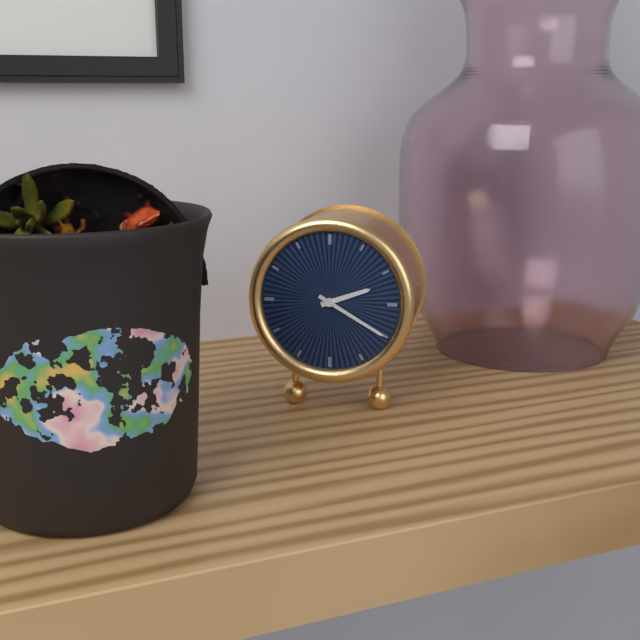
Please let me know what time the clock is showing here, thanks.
2:20
